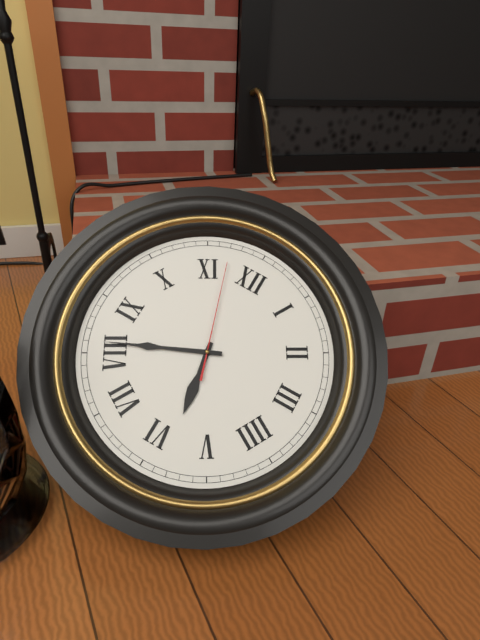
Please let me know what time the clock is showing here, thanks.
5:41:57
